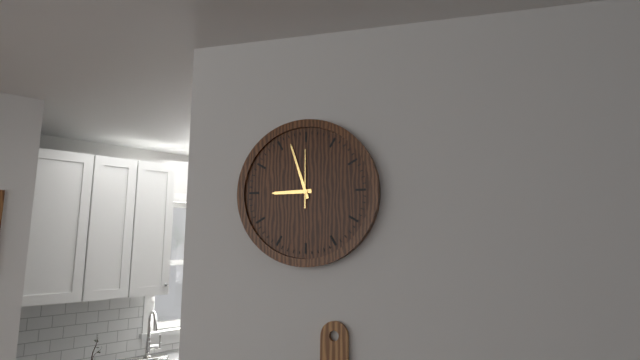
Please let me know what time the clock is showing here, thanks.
8:57:00
